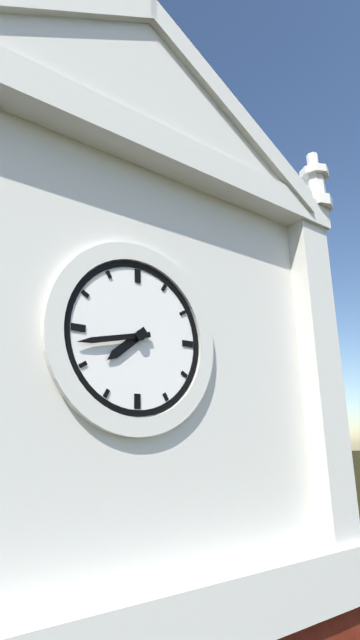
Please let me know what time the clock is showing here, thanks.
7:43
